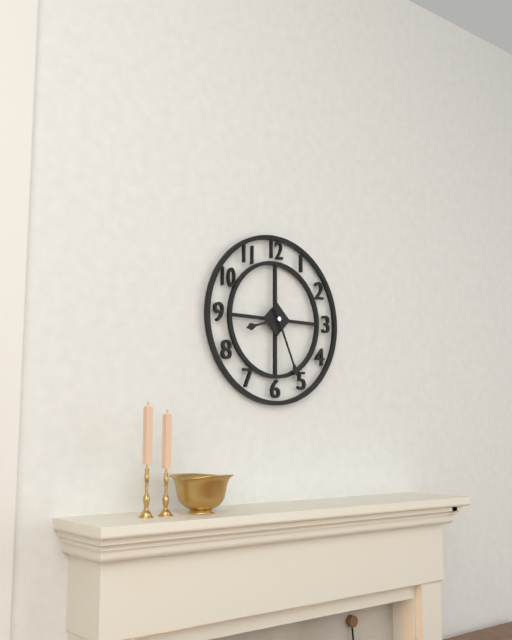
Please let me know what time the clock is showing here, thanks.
8:26
